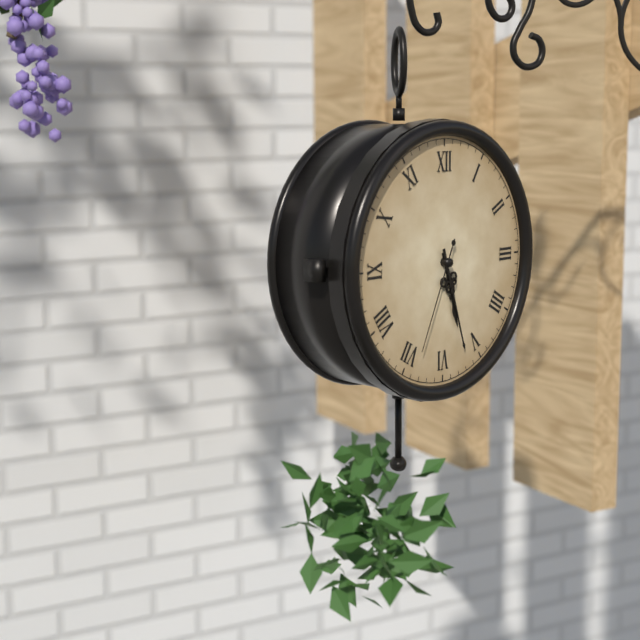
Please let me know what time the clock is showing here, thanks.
5:27:34
